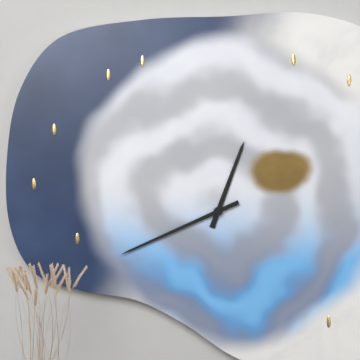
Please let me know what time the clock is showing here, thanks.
12:41
